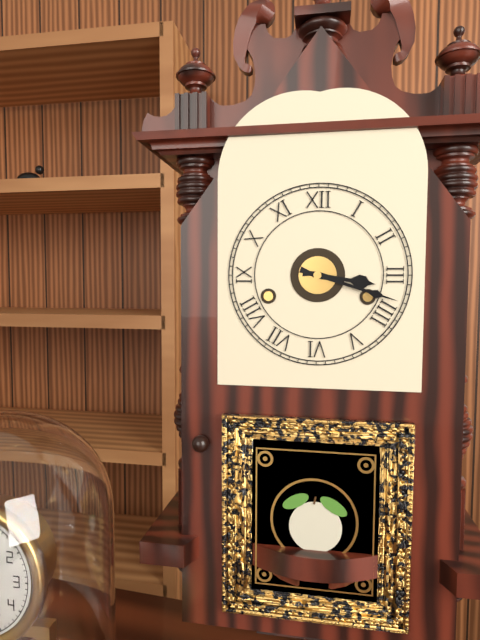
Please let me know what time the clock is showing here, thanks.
3:18
